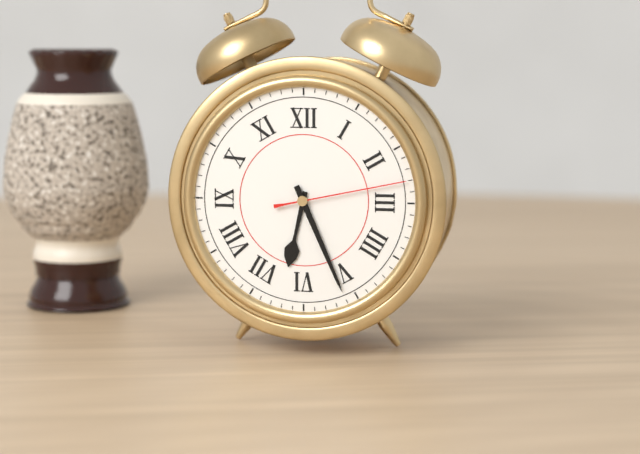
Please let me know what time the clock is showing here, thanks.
6:26:13
